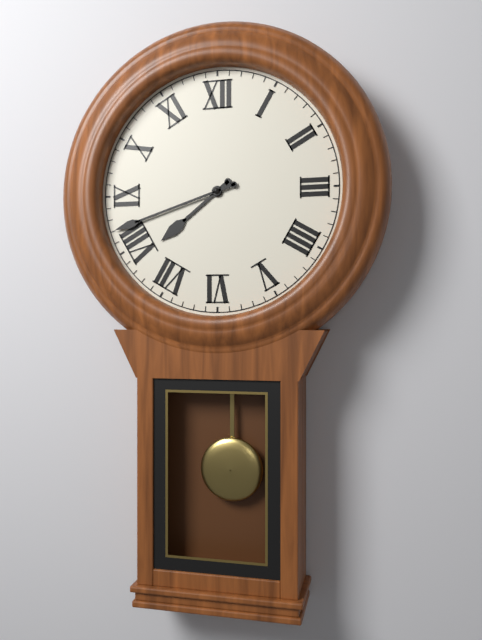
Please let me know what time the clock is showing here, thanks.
7:42
